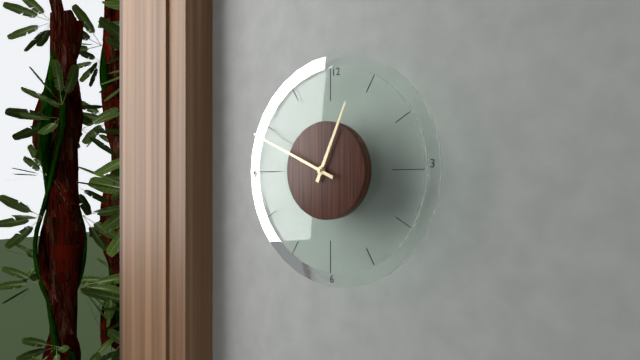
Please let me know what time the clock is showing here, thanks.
12:49
